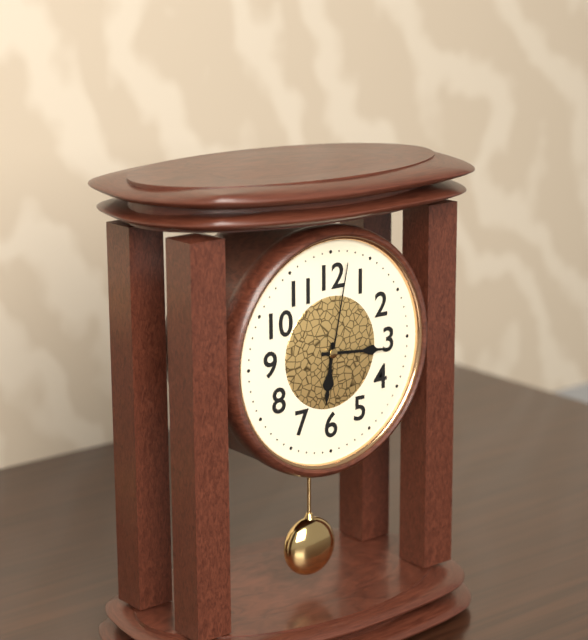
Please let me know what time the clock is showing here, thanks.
6:16:02
